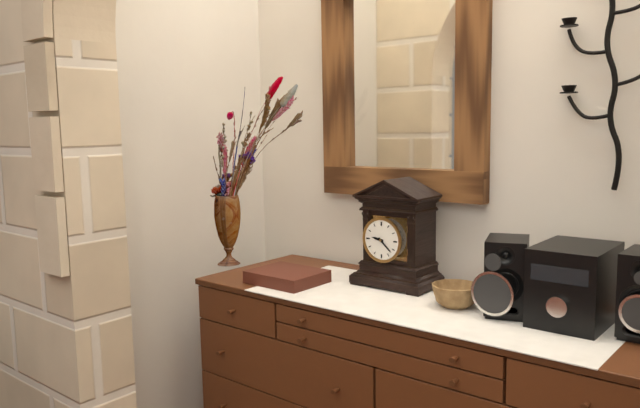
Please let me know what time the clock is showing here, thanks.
9:22
